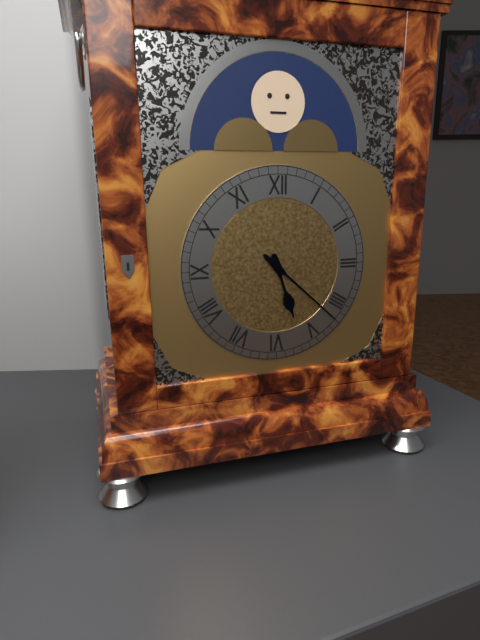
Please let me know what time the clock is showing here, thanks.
5:22
